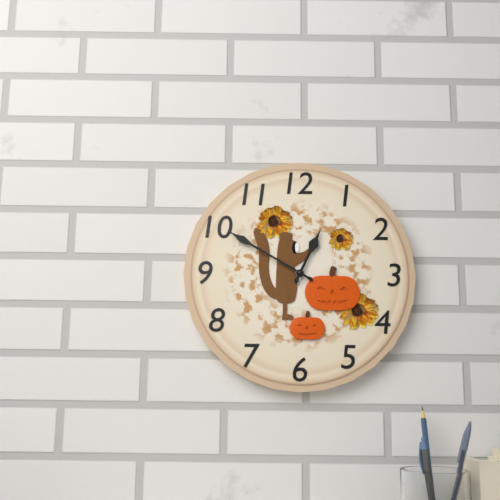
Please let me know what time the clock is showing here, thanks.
12:50
